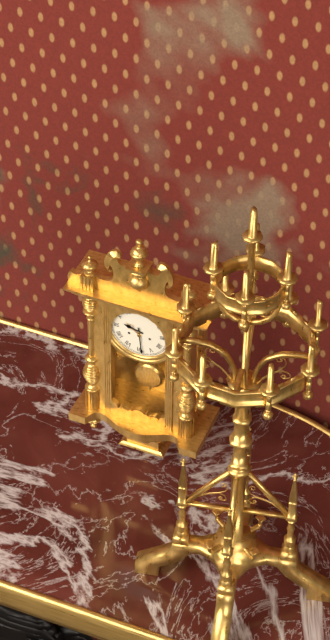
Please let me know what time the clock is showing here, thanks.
9:29
